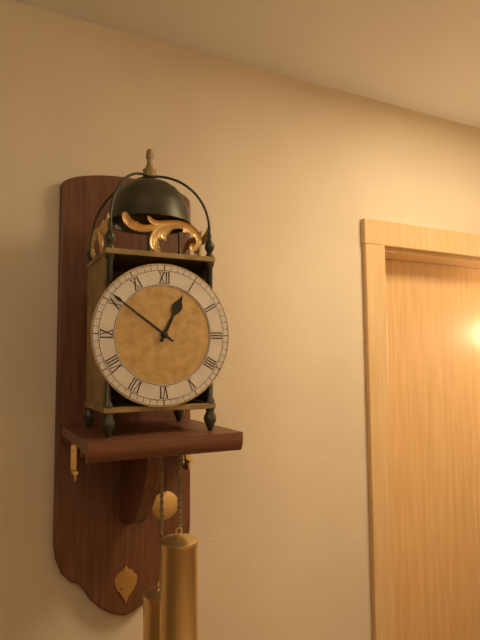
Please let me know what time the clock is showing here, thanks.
12:51
